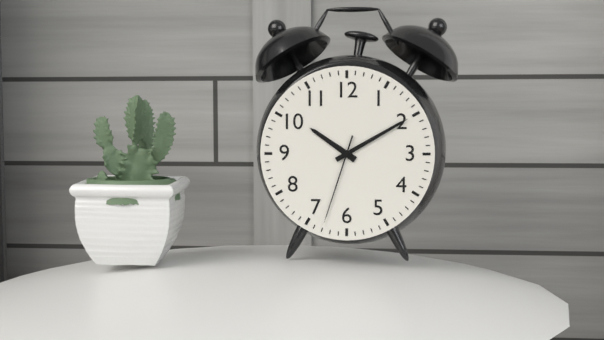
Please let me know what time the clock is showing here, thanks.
10:10:33
